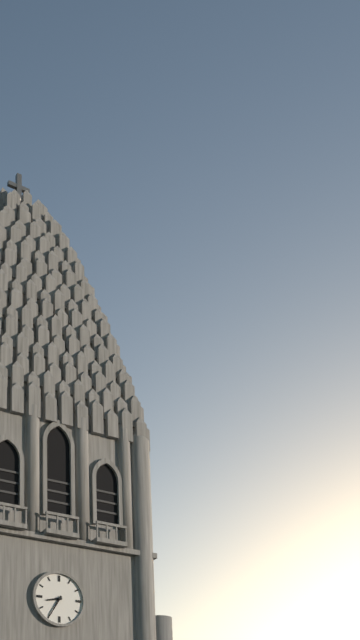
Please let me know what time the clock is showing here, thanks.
8:35
